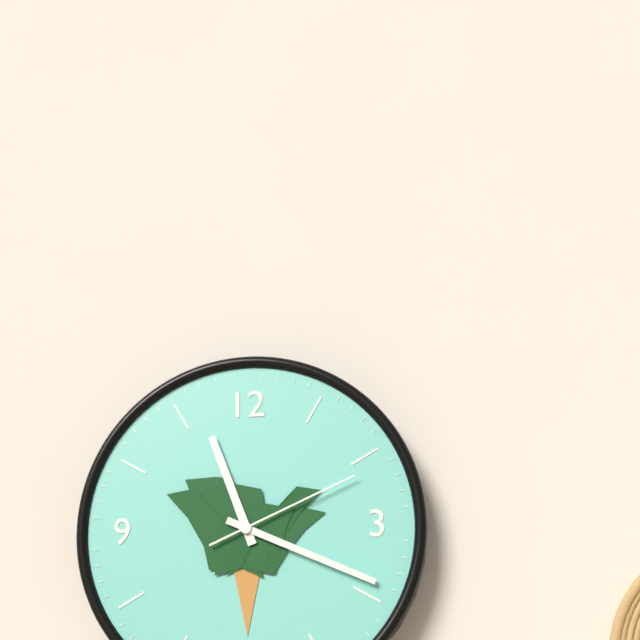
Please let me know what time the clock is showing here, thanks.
11:19:11
